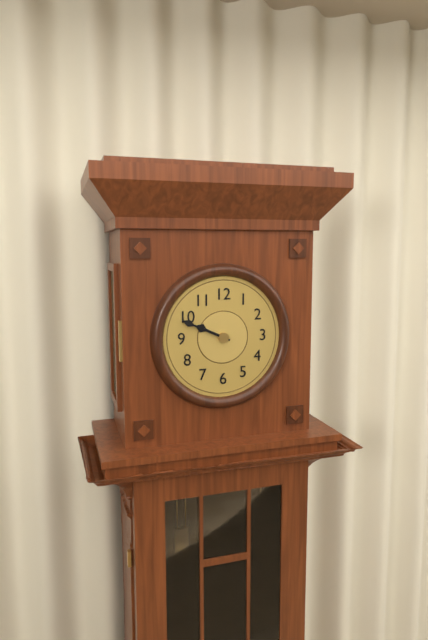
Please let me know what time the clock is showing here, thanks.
9:49
